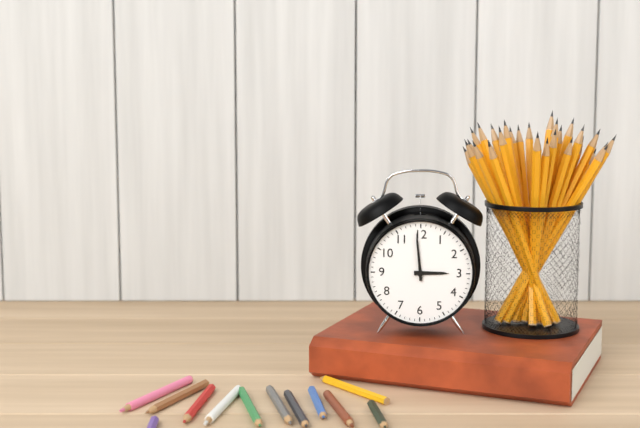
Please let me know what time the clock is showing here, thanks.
2:59
